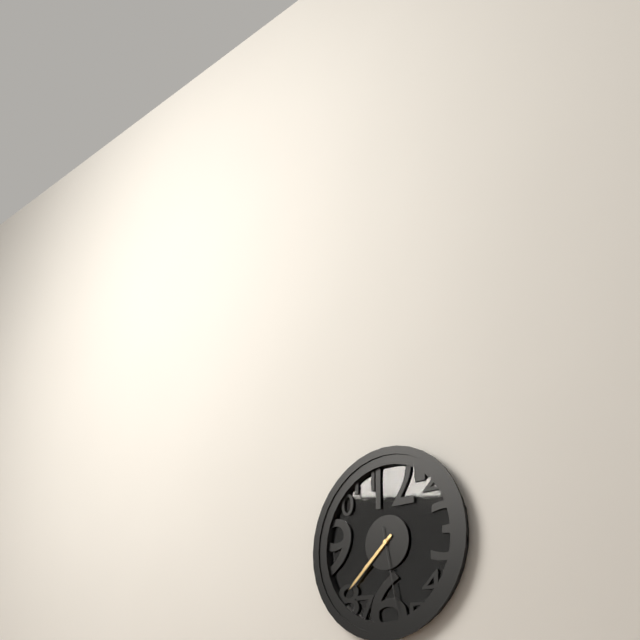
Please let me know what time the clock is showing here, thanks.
7:38:28
